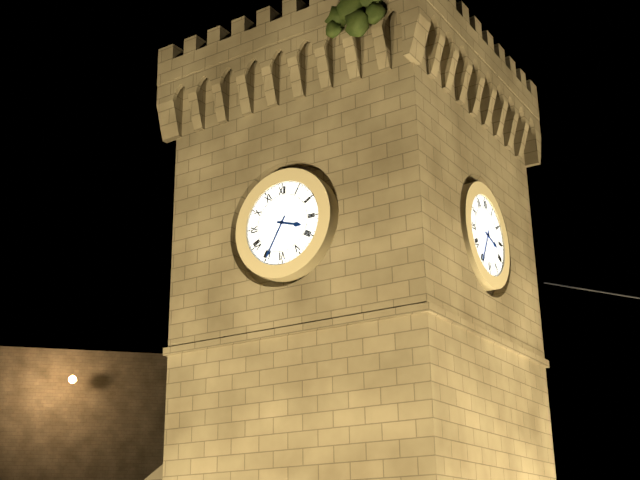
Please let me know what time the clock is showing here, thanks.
3:35
